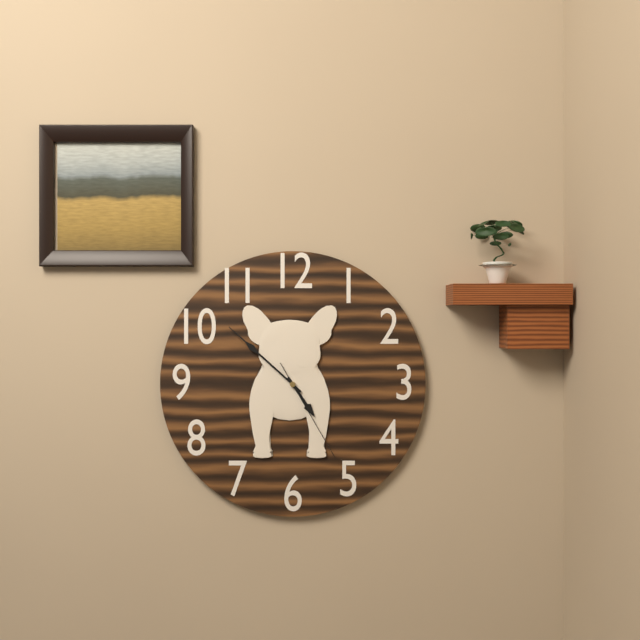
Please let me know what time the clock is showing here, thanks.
4:52:25
